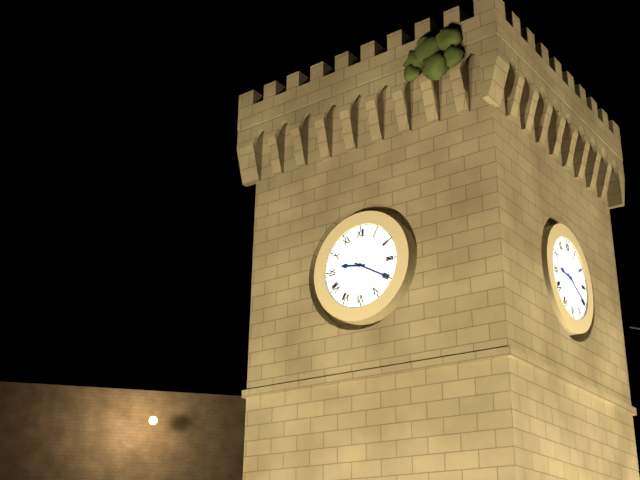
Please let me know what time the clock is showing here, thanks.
9:20
